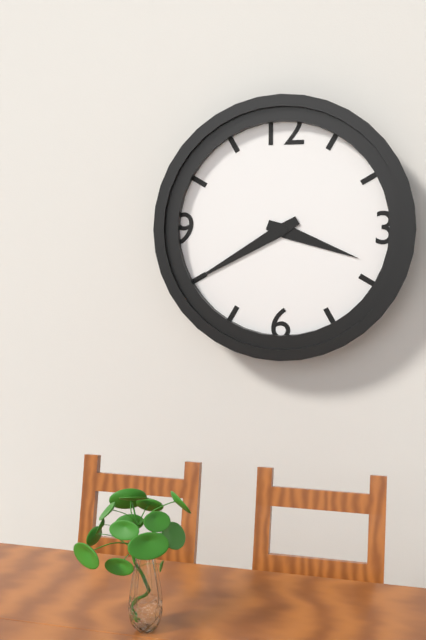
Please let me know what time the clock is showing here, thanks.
3:40
